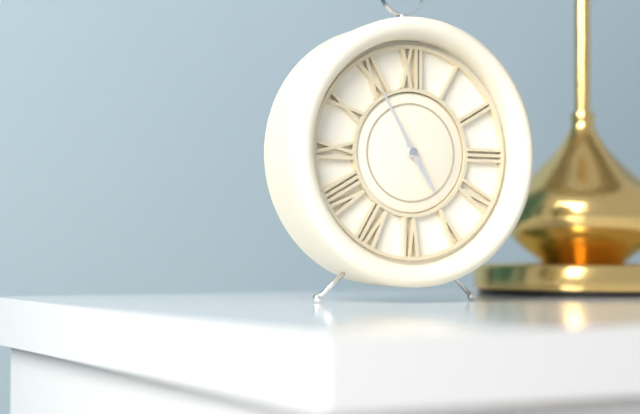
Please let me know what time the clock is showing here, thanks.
4:55
